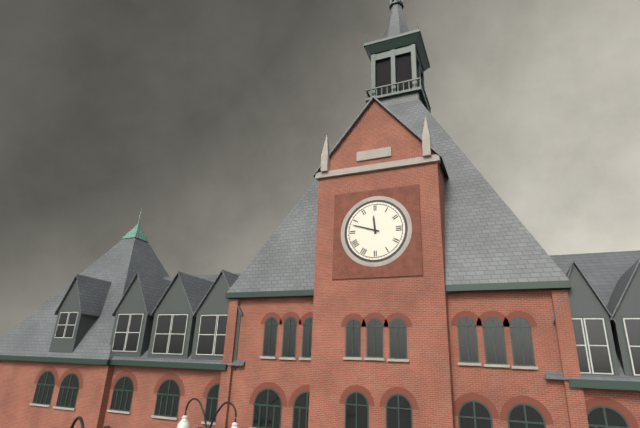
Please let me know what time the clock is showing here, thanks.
11:48
